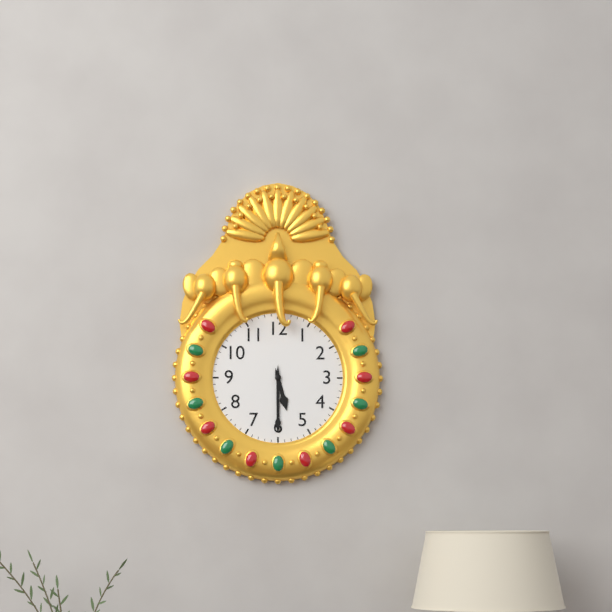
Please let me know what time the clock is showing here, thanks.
5:30
